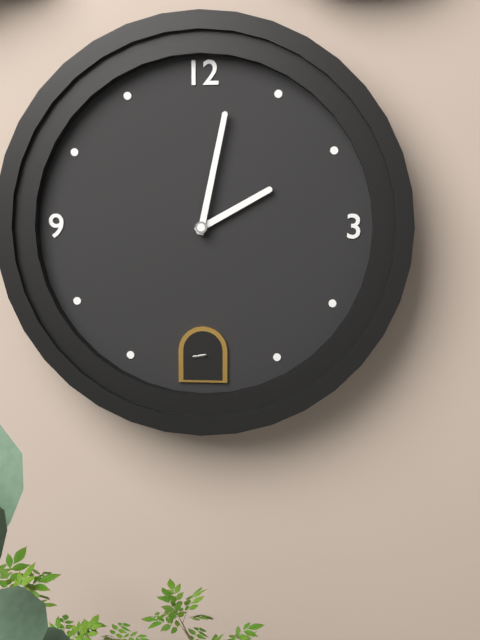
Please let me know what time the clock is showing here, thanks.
2:02
